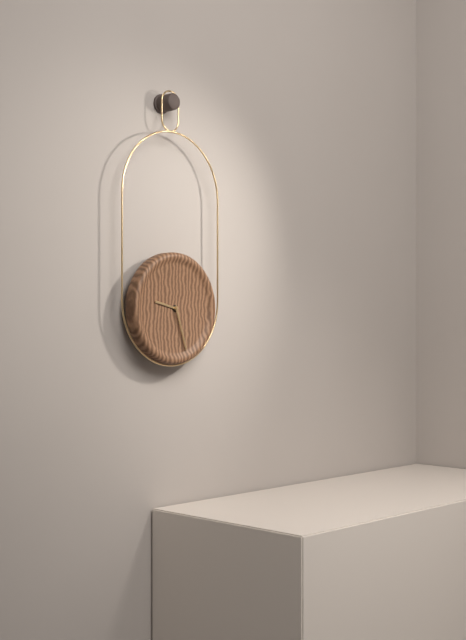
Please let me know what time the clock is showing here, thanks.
9:27
